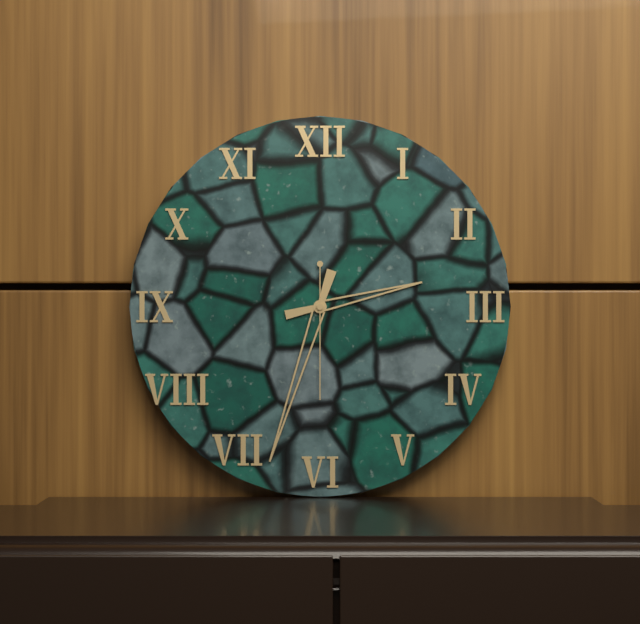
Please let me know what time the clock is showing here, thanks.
2:33:30
